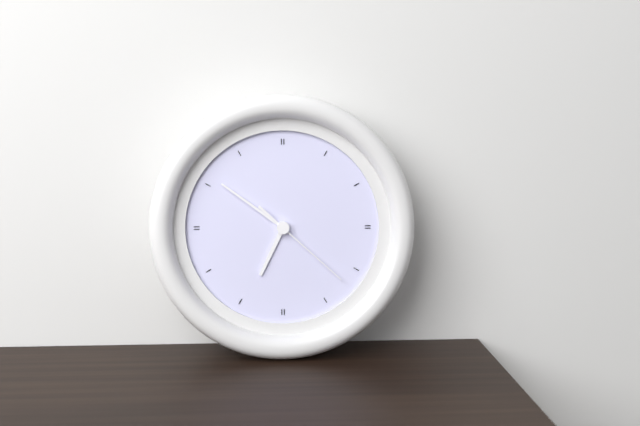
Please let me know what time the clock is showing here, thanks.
6:51:22
